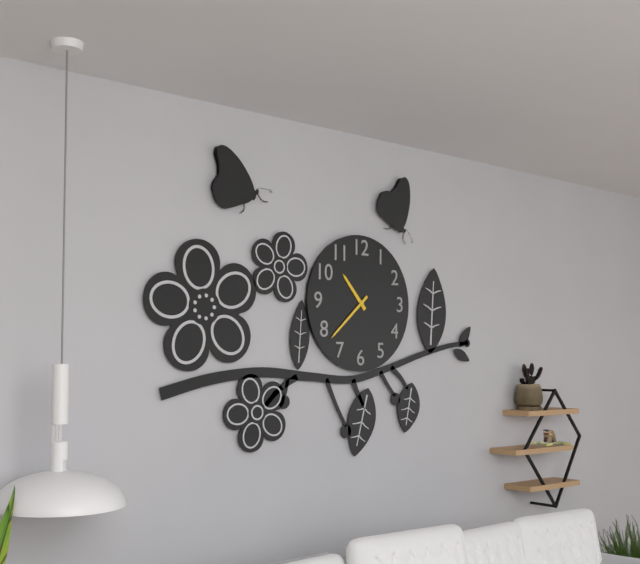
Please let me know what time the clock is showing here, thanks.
10:38
